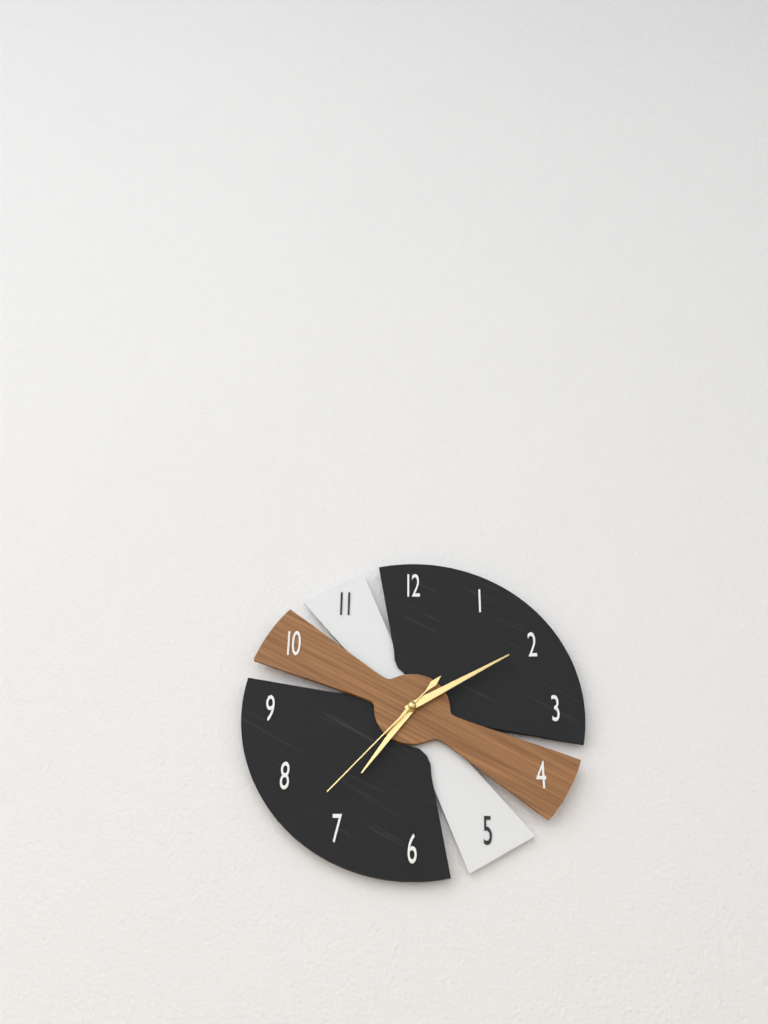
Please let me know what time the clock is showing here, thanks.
7:10:37
